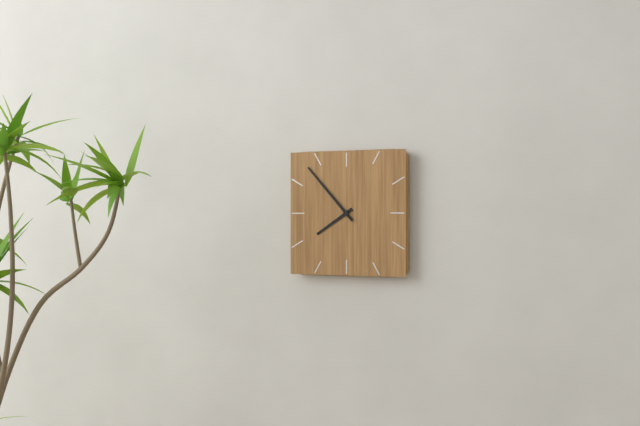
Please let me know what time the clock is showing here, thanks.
7:53
